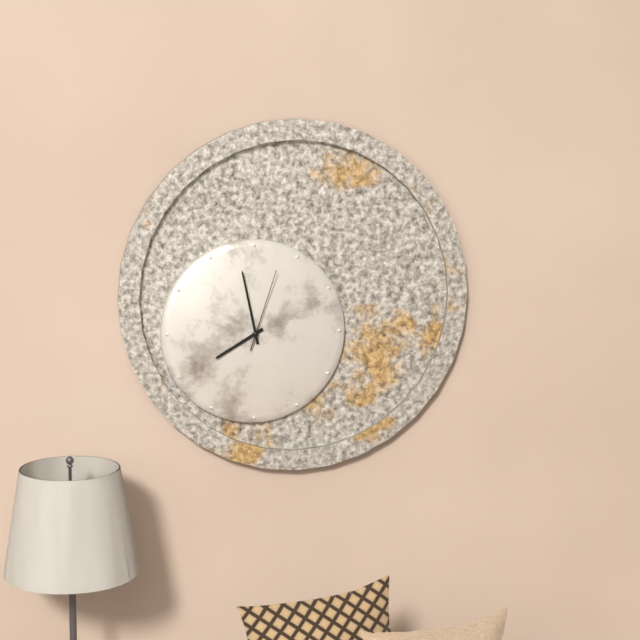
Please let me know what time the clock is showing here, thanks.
7:58:03
